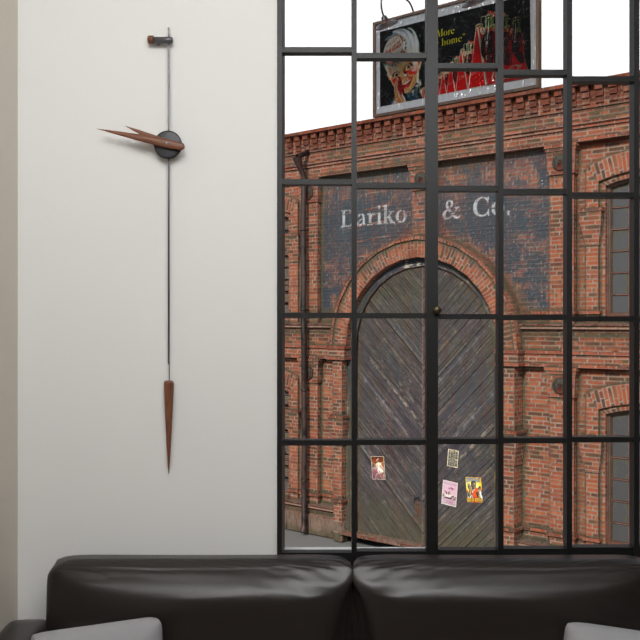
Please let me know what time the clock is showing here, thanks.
9:47
